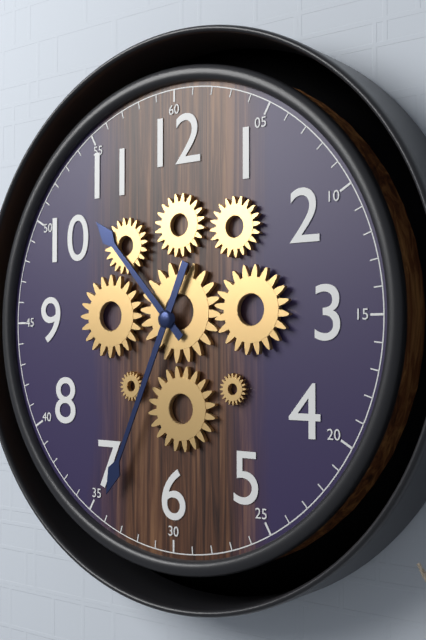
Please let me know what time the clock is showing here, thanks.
10:34
